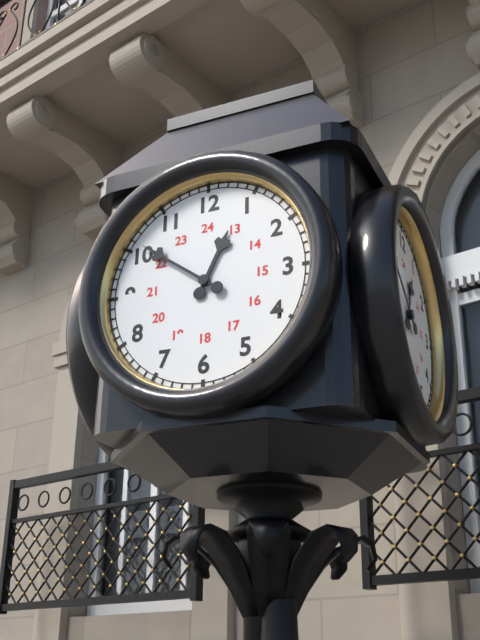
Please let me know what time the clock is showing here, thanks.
12:51
